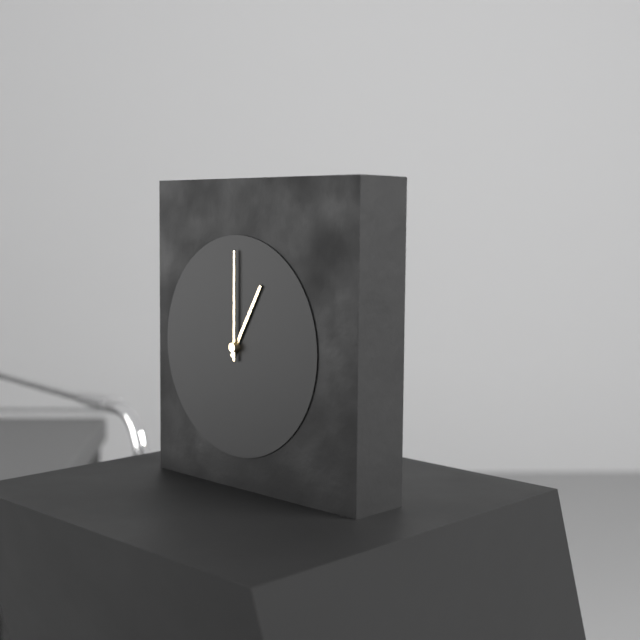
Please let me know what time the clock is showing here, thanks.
1:00
